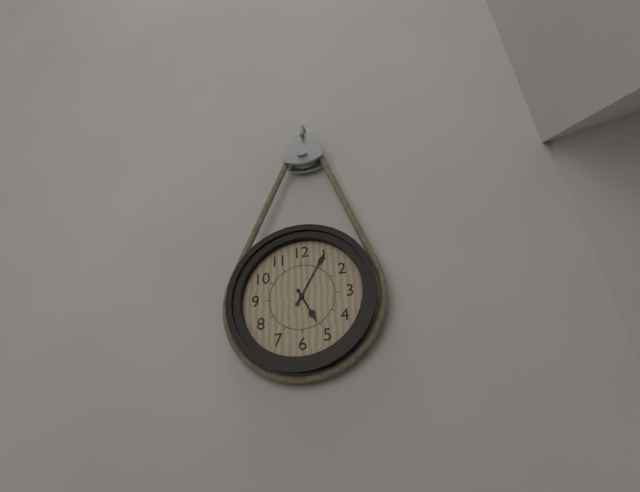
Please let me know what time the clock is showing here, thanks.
5:05
